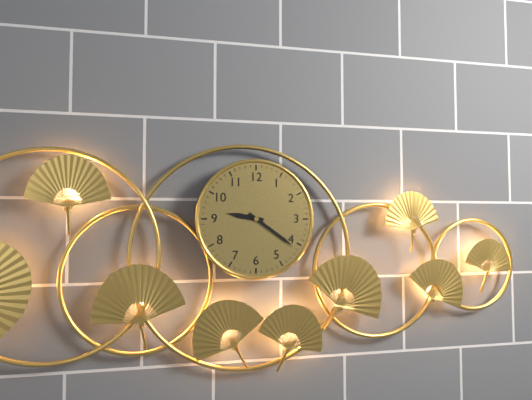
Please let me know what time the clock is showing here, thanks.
9:21
